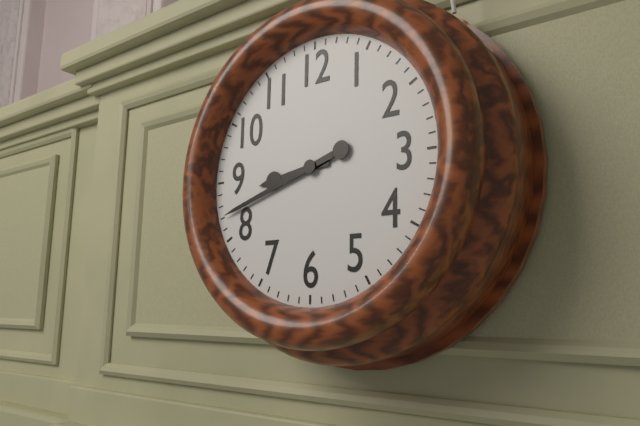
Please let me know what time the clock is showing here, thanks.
8:42
